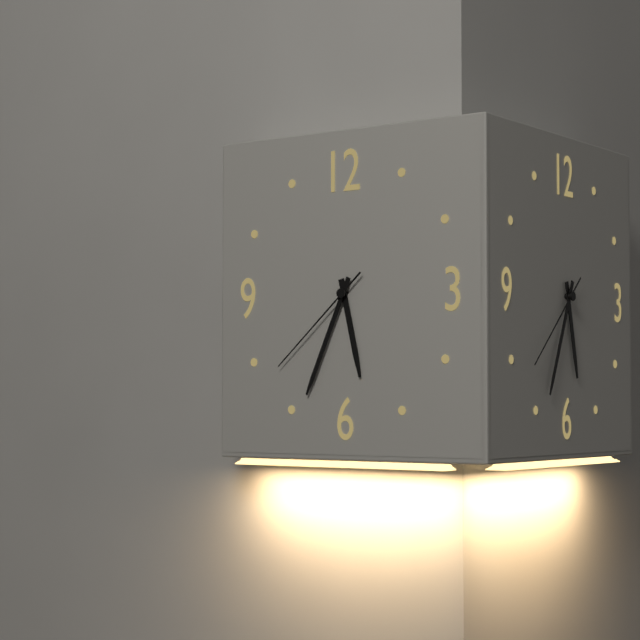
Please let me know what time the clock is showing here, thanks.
5:34:38
